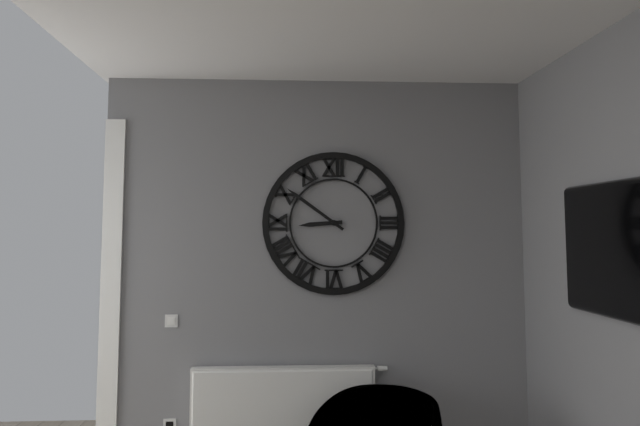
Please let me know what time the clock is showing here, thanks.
8:51
